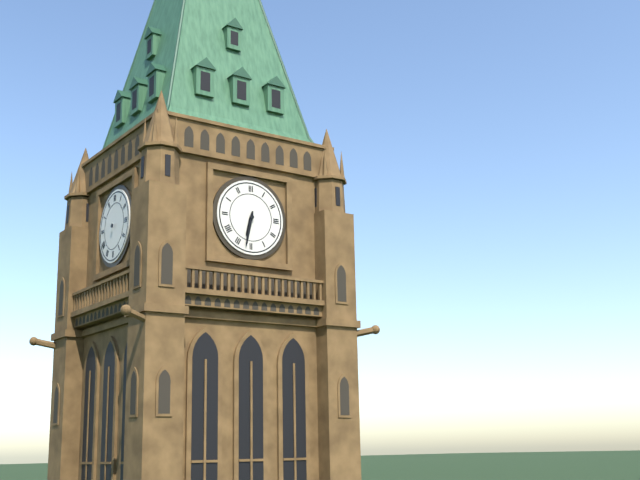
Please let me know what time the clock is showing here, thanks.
6:32
